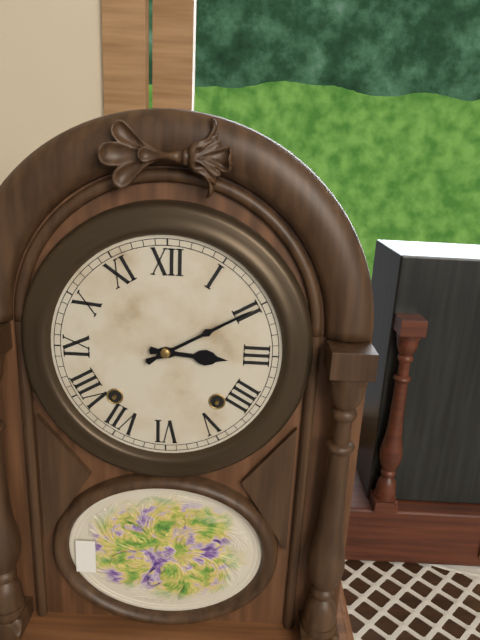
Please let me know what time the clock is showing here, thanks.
3:10
